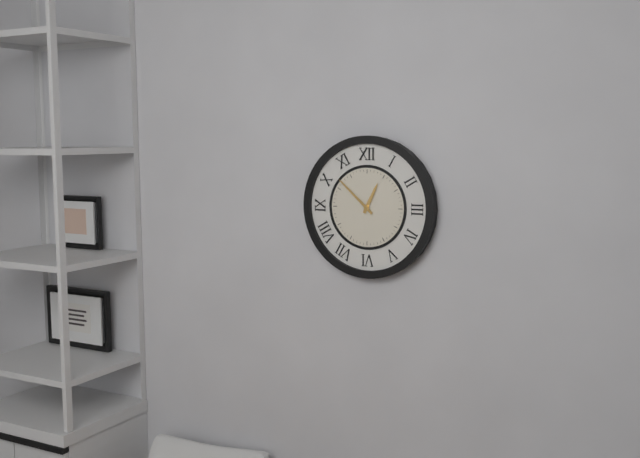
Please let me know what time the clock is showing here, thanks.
12:52
